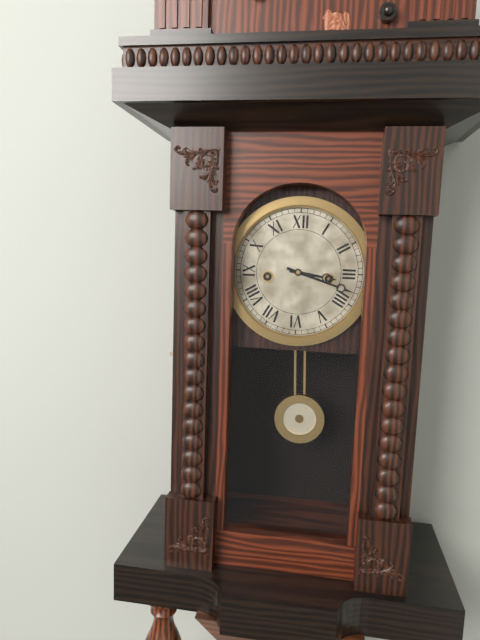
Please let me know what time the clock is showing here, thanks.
3:18
